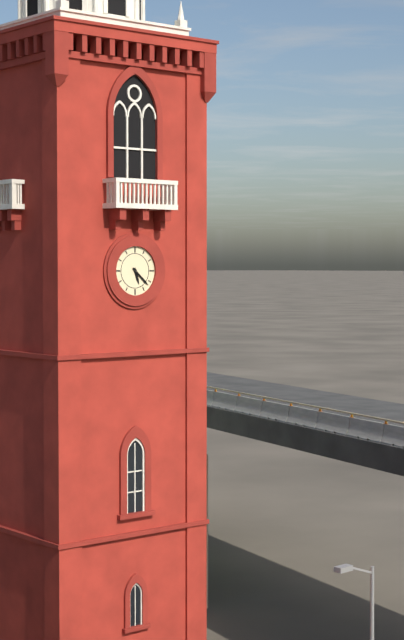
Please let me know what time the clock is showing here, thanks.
5:22
